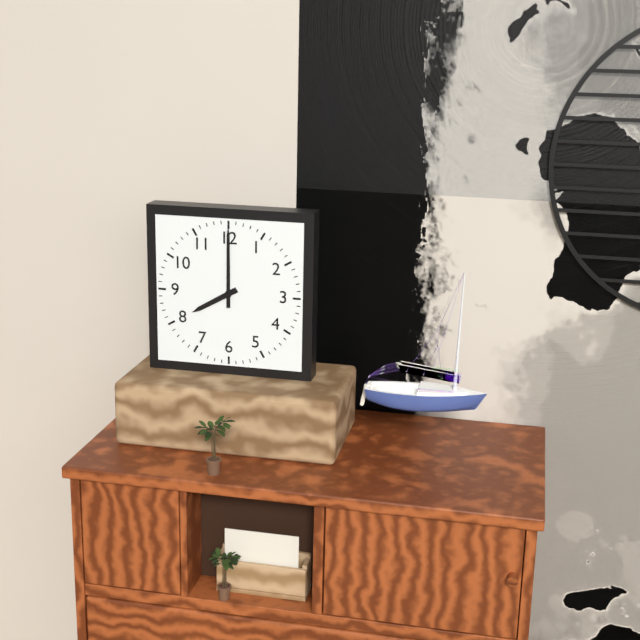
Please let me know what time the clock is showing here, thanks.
8:00
